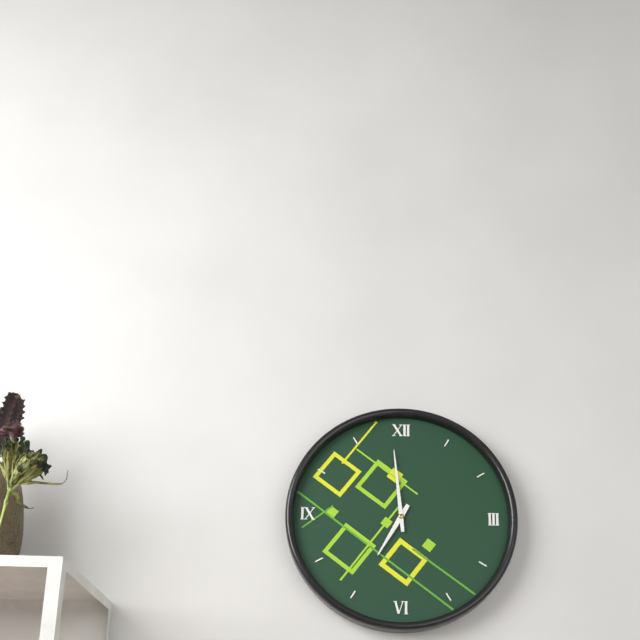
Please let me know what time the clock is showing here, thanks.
6:59
